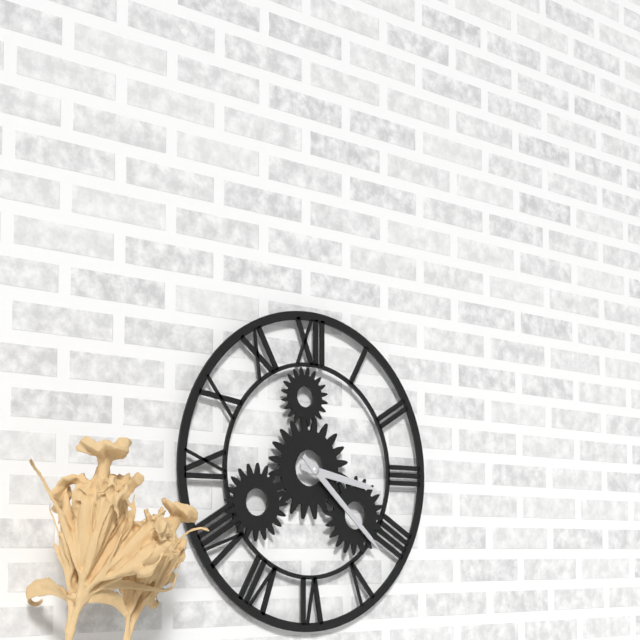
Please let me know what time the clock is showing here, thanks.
3:22
